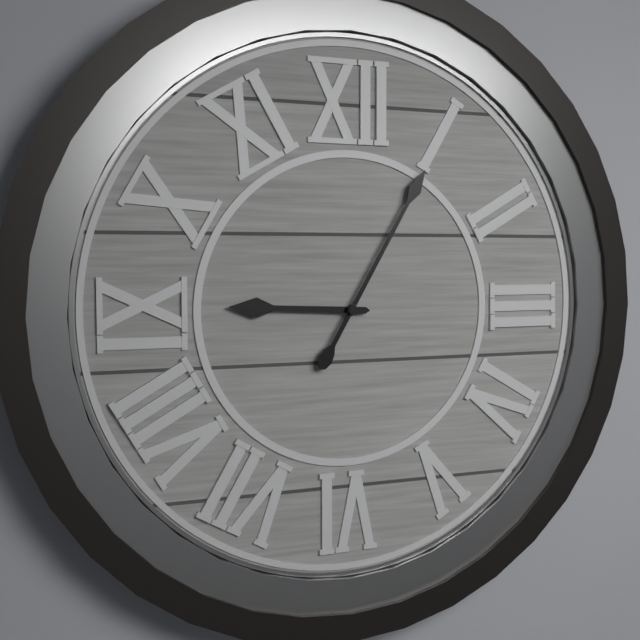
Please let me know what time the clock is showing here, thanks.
9:05
